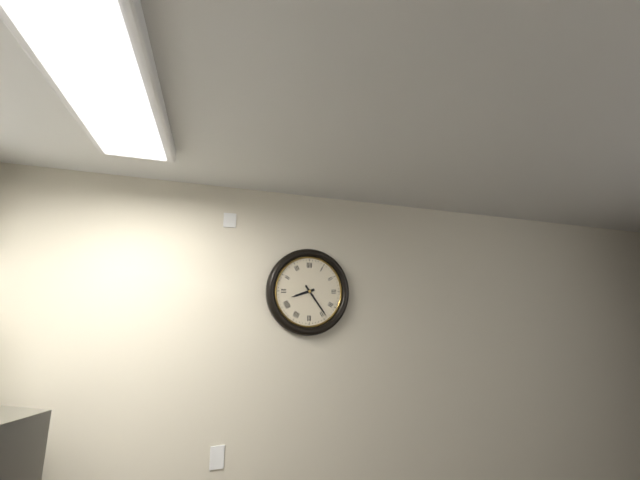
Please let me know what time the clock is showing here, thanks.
8:24
